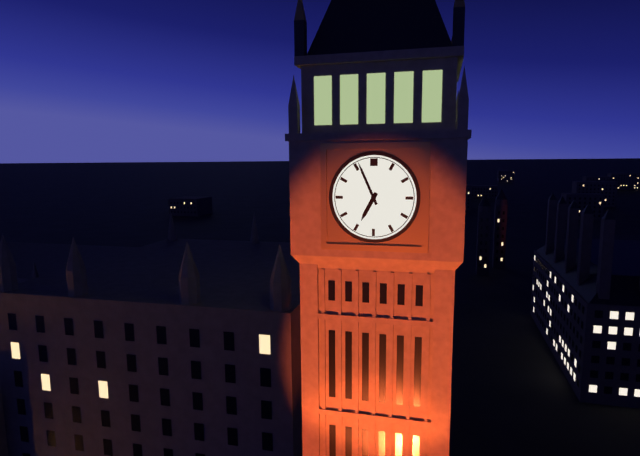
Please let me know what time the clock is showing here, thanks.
6:56
